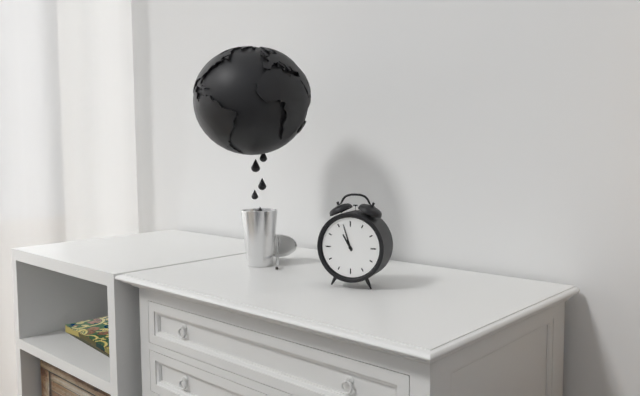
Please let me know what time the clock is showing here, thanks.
10:57
